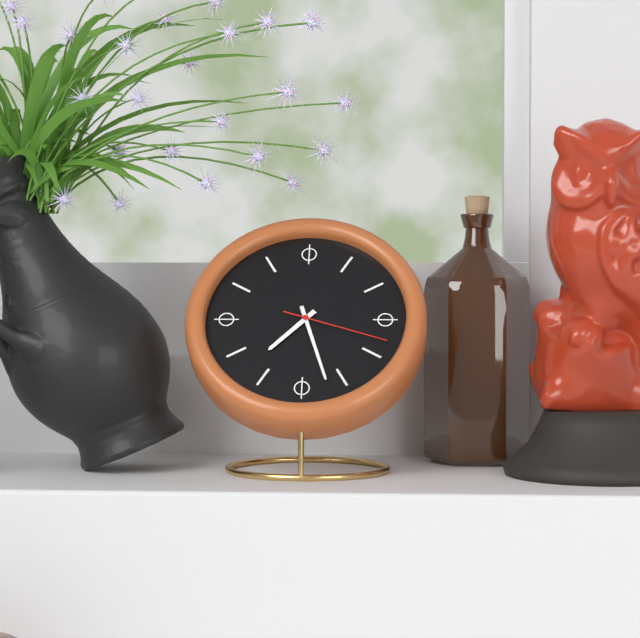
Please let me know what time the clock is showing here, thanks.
7:27:18
